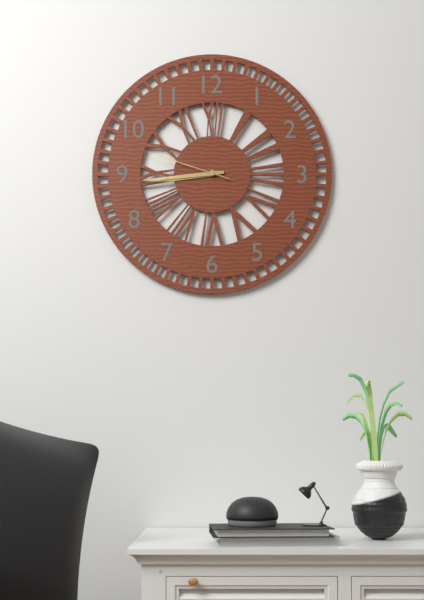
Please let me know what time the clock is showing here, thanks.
8:44:48
